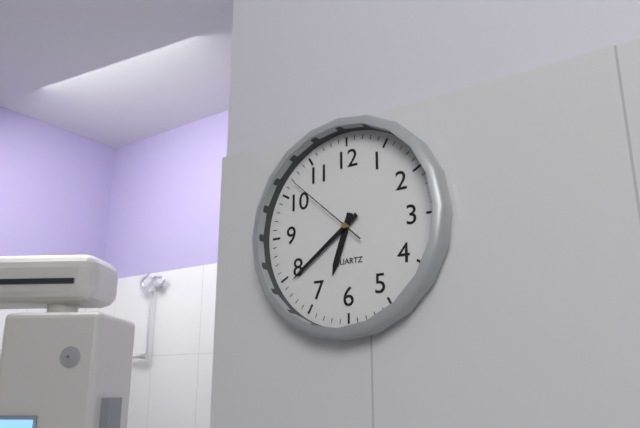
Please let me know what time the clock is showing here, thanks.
6:39:52
